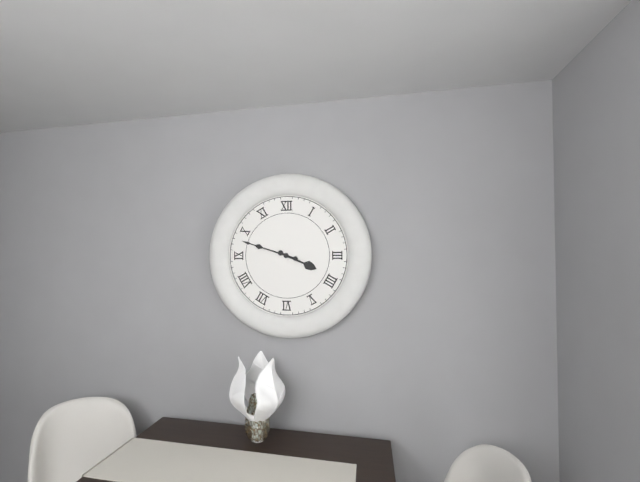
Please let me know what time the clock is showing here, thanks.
3:48
